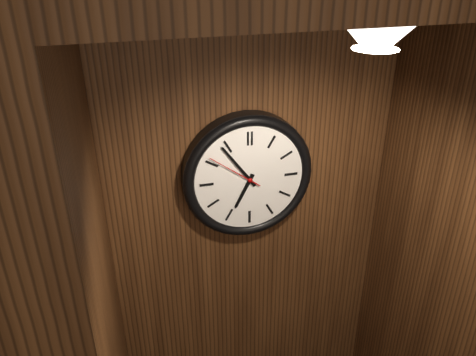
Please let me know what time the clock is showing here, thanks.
6:54
